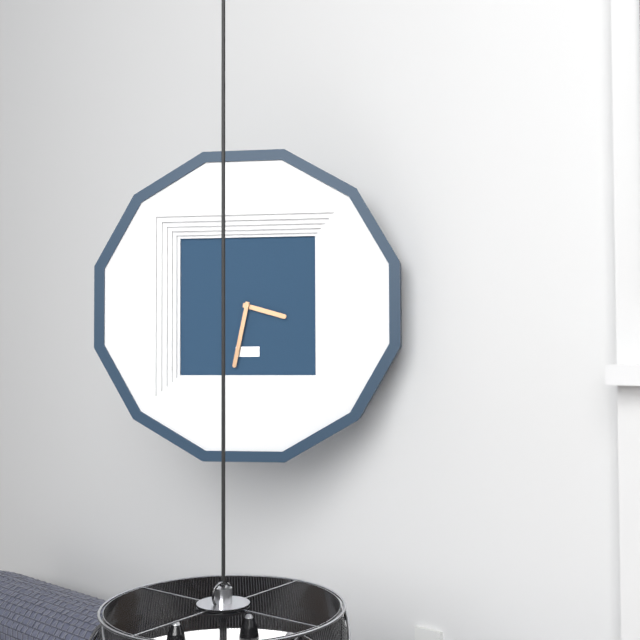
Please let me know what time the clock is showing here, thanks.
3:32
